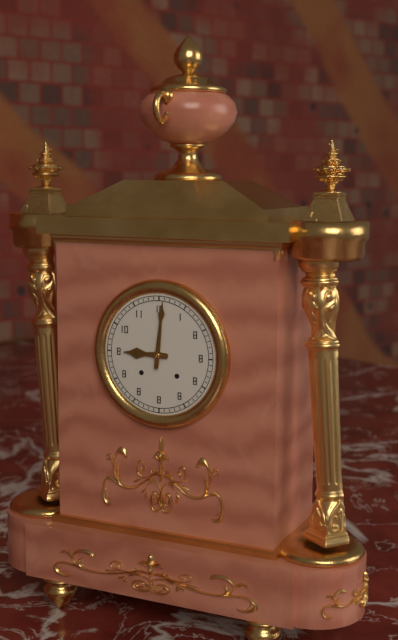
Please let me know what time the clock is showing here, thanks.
9:01
